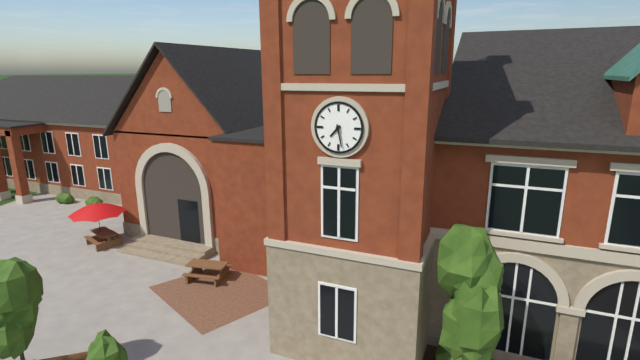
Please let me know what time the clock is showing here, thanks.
7:28
